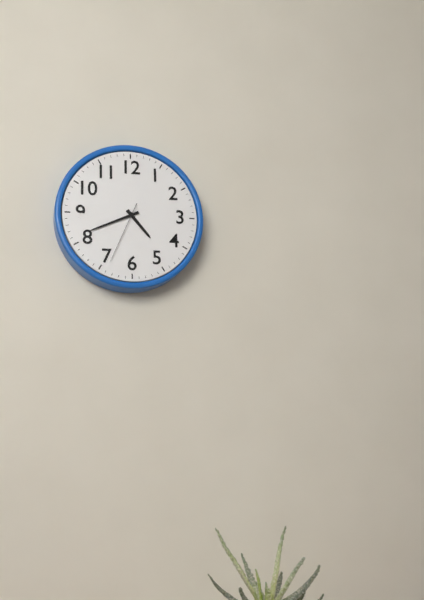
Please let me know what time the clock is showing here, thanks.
4:41:34
